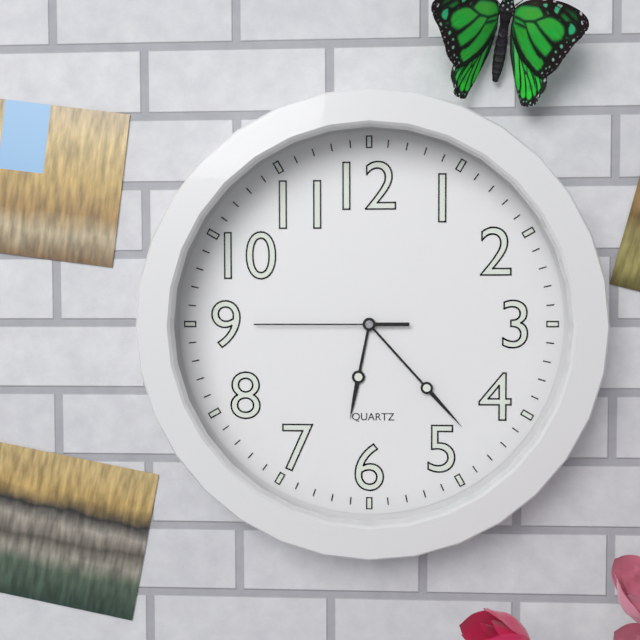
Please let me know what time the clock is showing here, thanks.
6:23:45
